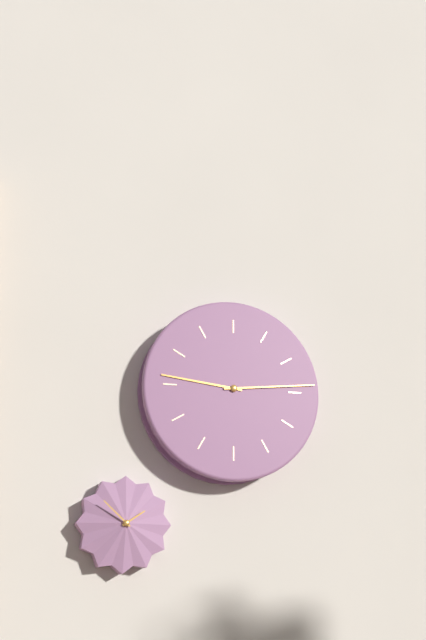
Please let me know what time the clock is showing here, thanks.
9:14
